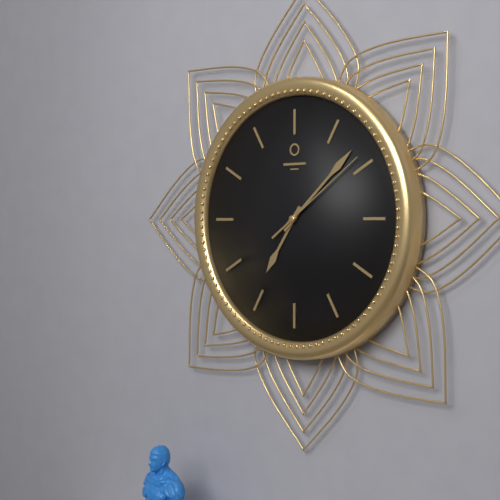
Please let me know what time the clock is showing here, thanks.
7:08:09
